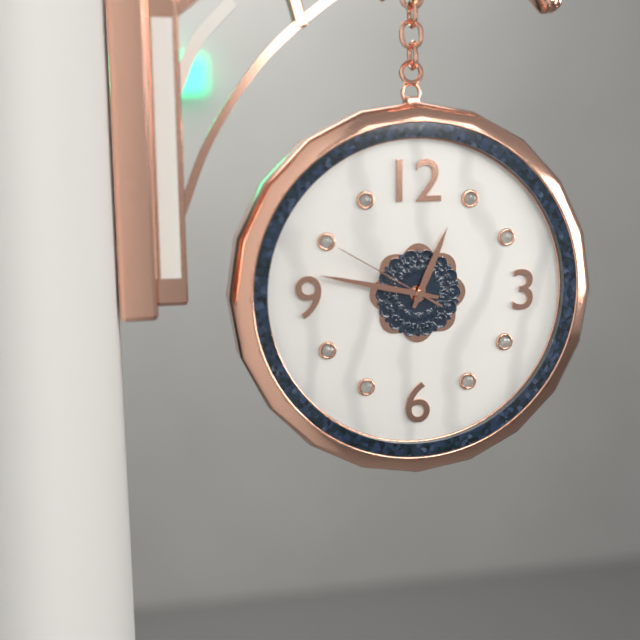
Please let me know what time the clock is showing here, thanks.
12:47:50
